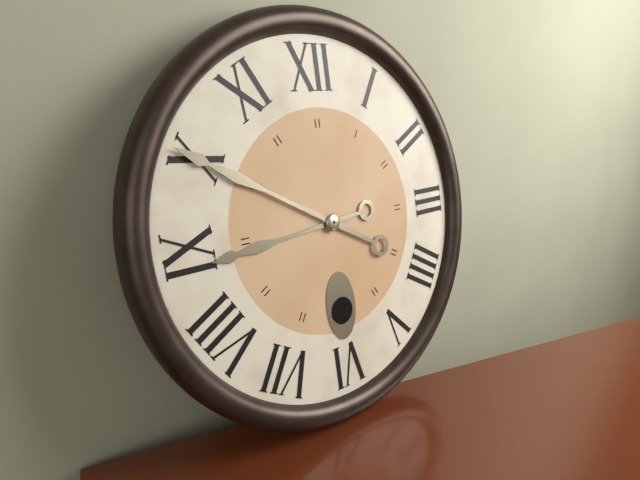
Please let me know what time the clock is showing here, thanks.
8:50
